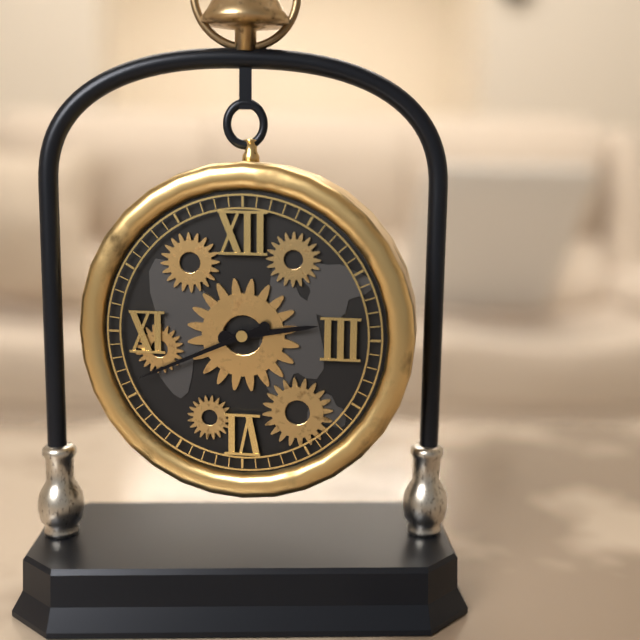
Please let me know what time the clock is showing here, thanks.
2:41
